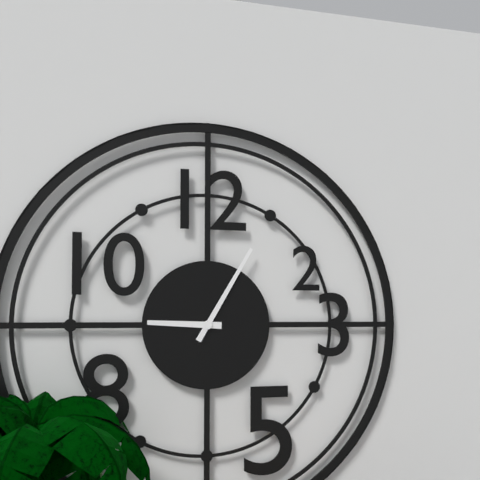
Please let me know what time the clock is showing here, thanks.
9:05
